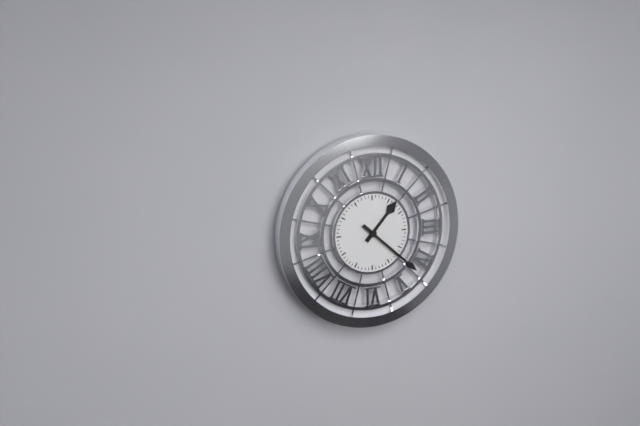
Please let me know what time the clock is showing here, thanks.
1:22
